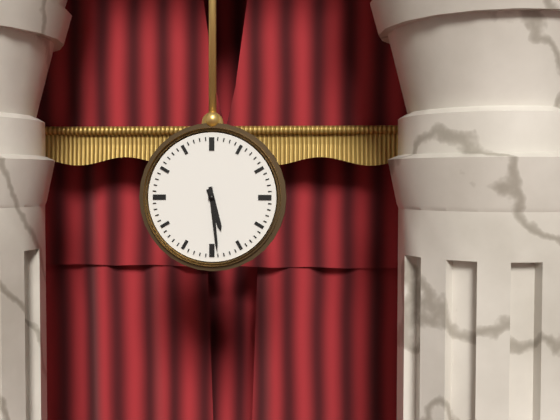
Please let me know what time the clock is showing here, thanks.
5:29
